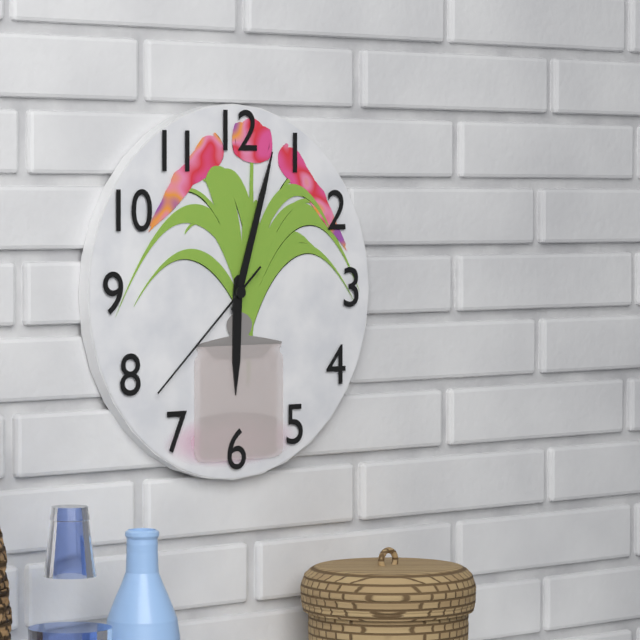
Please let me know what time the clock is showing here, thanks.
6:03:38
